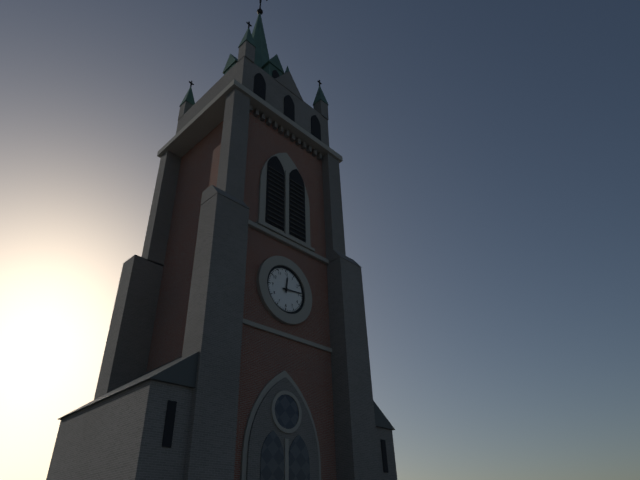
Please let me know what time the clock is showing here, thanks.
12:14
